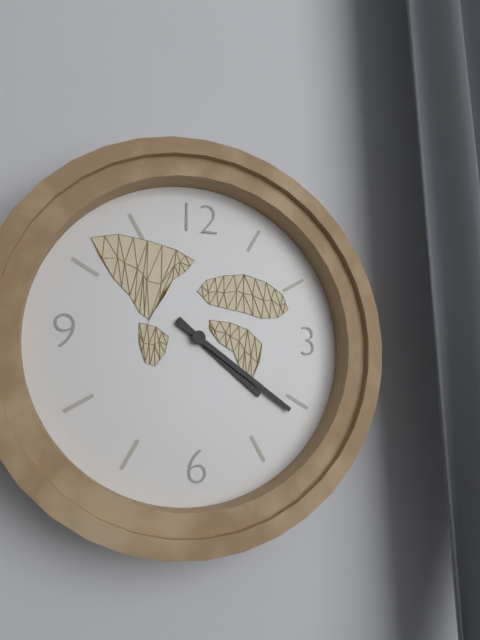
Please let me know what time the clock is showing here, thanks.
4:21
